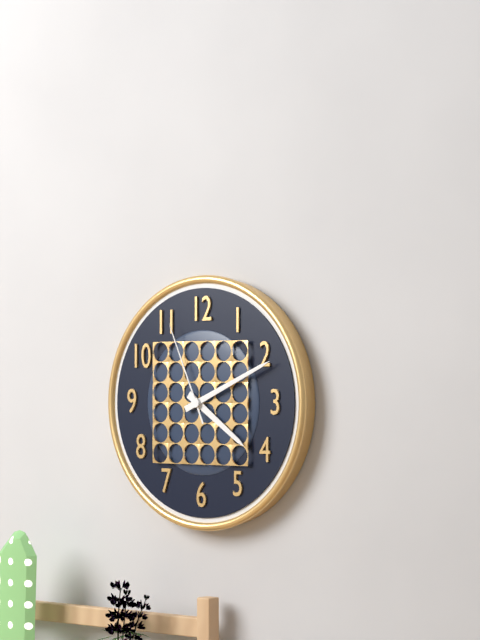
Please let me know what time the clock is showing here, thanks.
4:11:56
